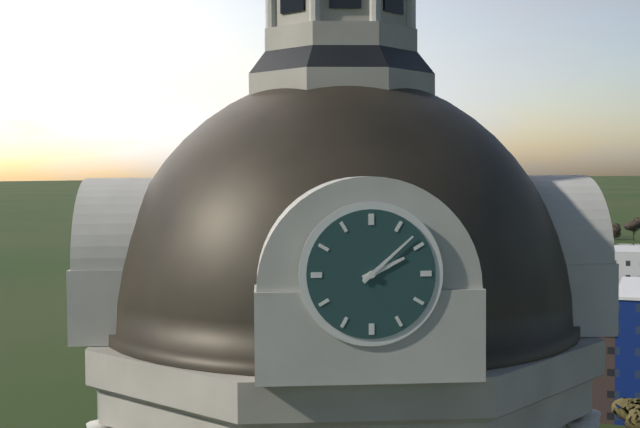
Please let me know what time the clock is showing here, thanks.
2:08
